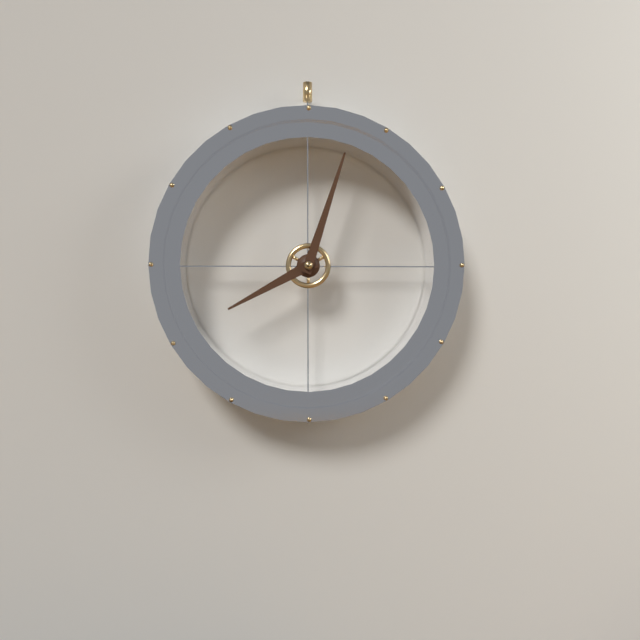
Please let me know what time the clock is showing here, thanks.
8:03
